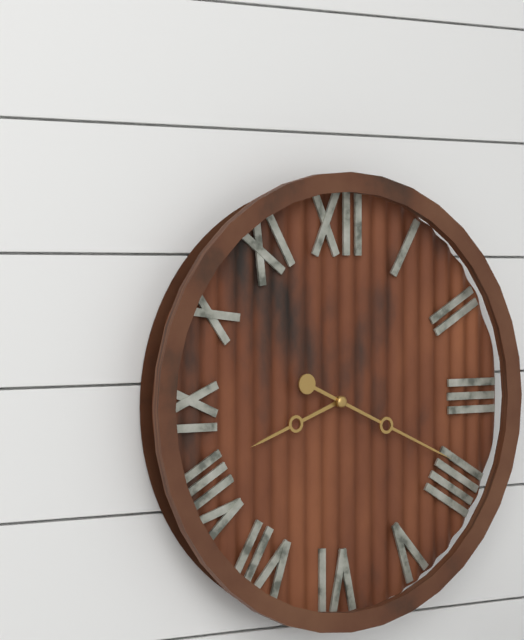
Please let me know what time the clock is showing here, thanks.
8:19
